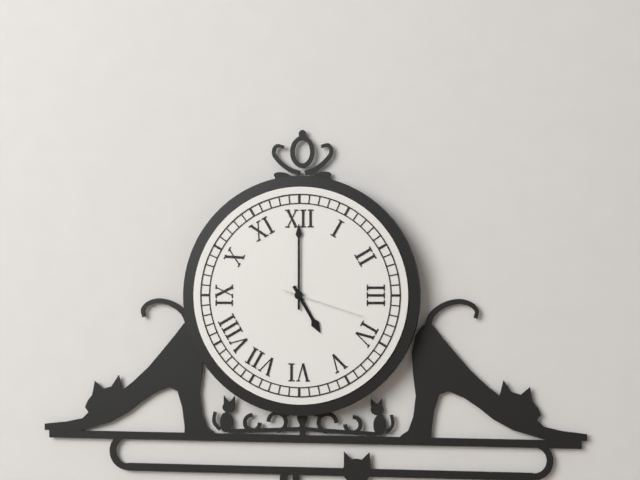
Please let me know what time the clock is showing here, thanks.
5:00:18
